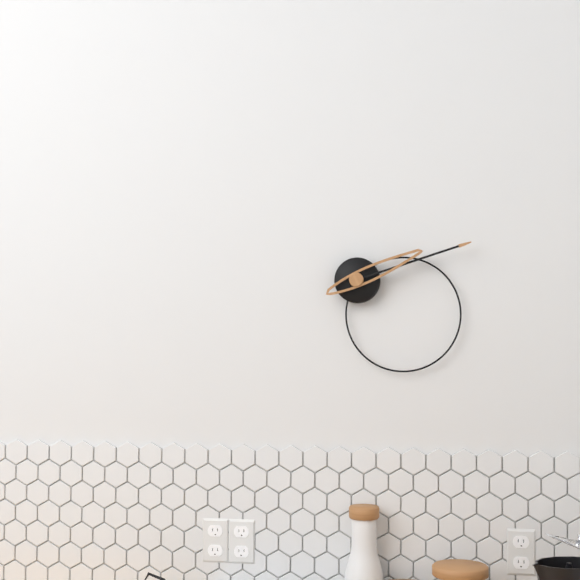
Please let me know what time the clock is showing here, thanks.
2:12
